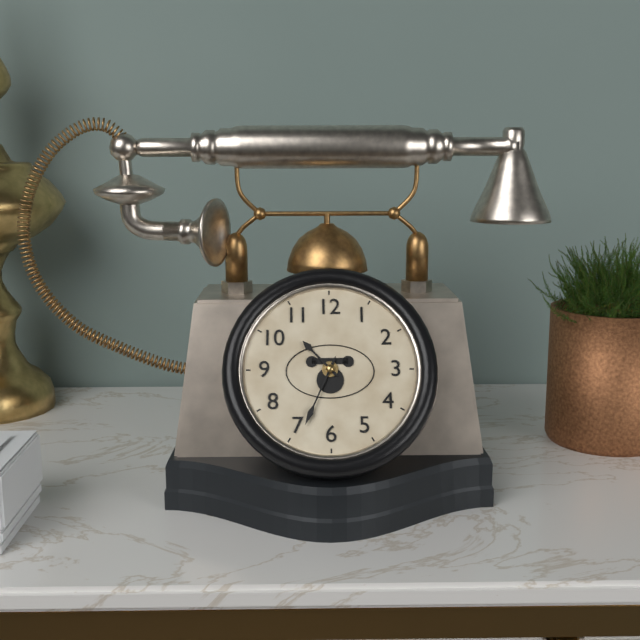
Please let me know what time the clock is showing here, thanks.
10:34
